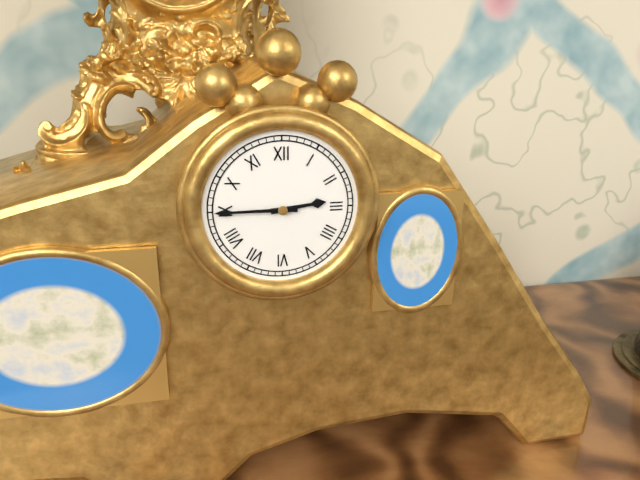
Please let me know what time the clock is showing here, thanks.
2:45
